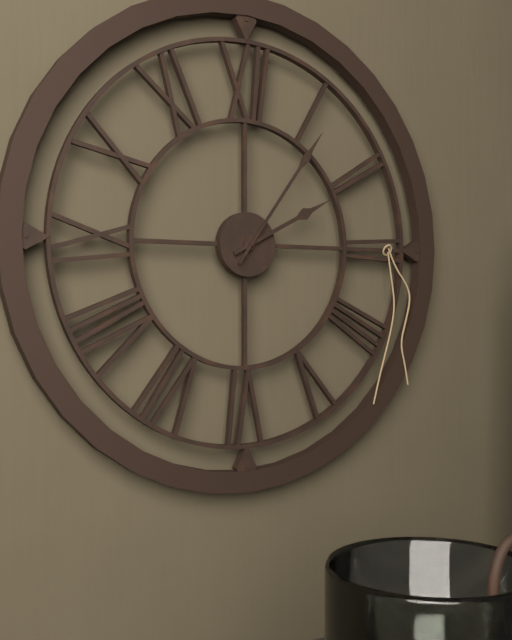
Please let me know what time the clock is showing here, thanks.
2:06
